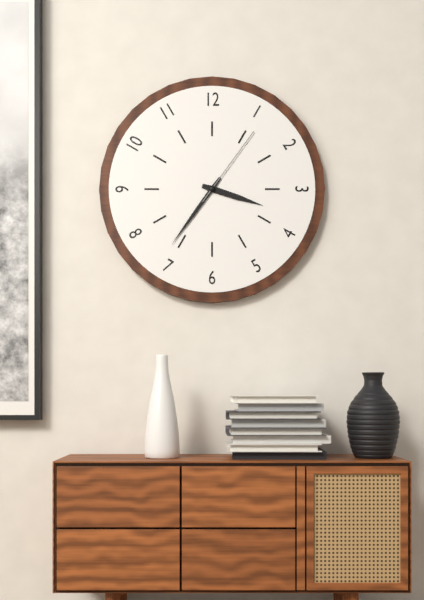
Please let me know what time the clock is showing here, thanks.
3:36:06
